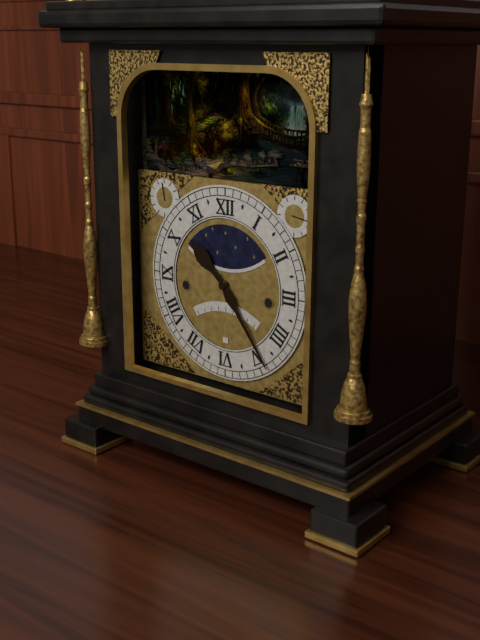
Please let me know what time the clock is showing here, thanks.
10:24
